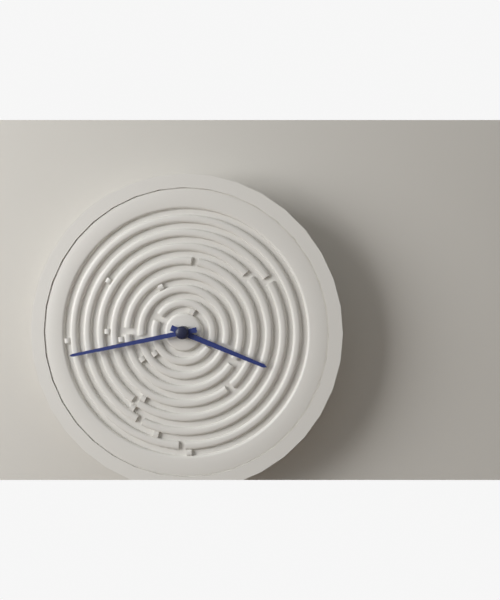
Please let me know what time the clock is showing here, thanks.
3:43
